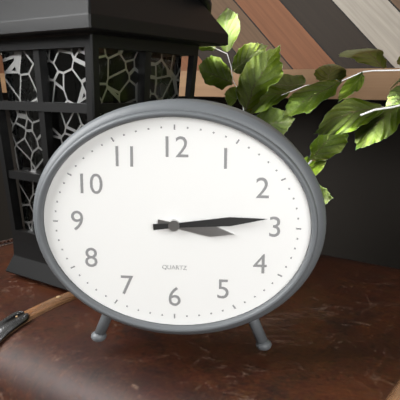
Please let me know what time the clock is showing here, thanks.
3:14
